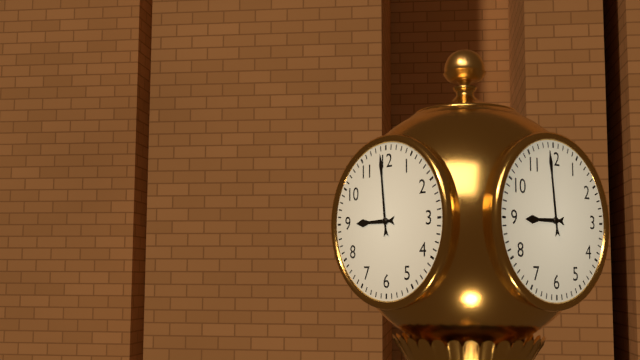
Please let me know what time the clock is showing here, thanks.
8:59
